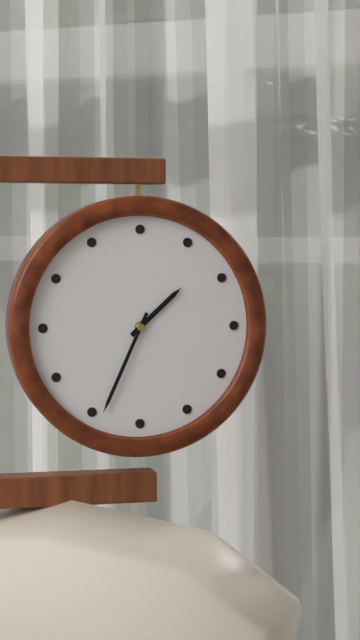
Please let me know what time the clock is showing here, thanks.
1:34
